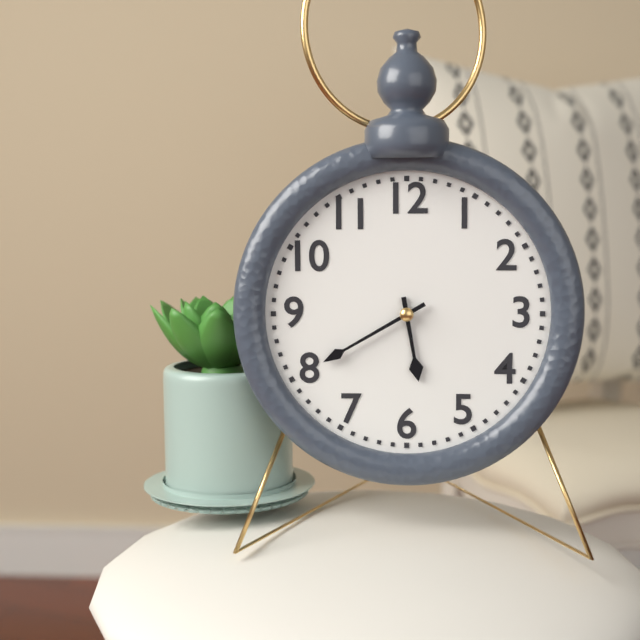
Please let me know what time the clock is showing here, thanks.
5:40
